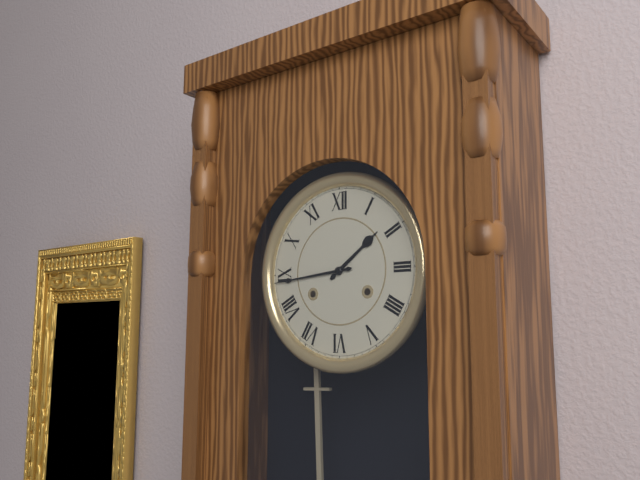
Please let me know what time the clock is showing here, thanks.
1:44
